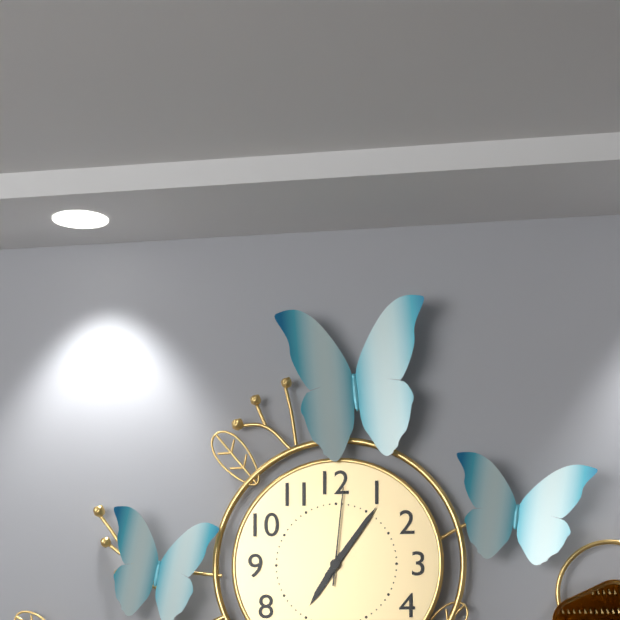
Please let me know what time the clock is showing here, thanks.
7:06:01
